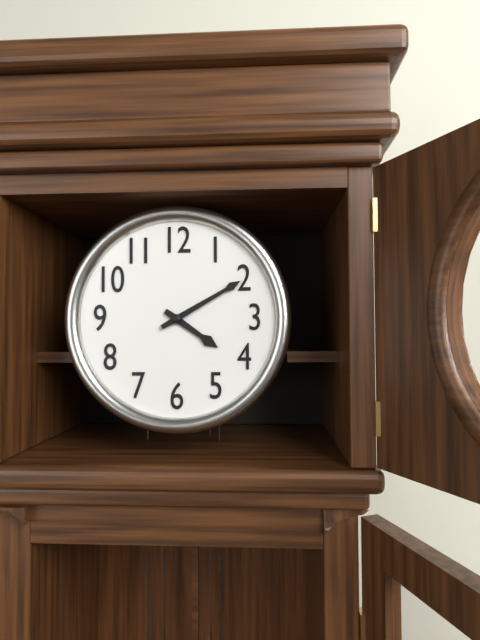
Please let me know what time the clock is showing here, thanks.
4:10
